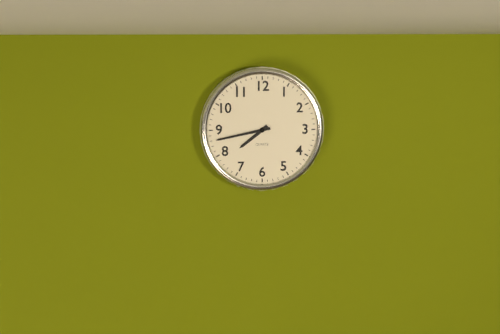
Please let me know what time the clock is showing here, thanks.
7:43
